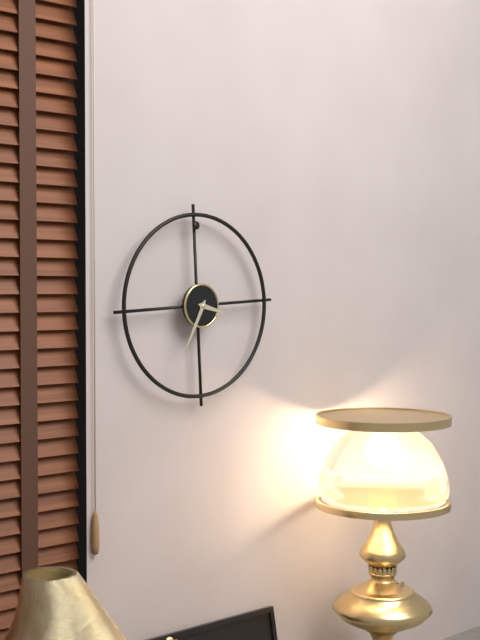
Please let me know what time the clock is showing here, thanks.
3:35
